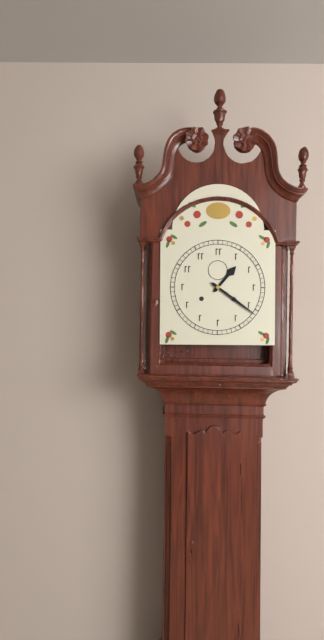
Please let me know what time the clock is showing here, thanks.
1:21
